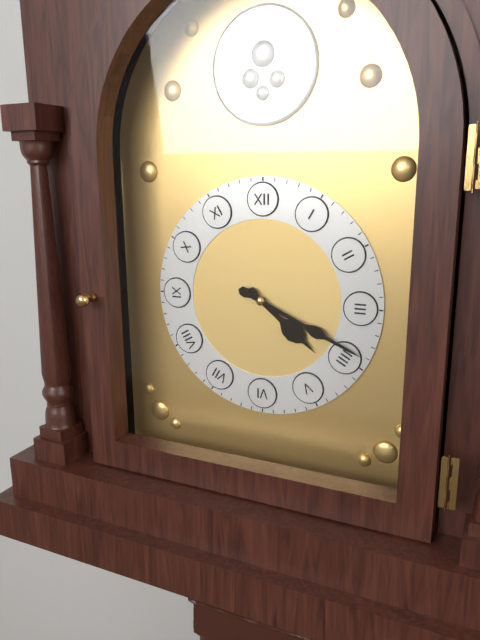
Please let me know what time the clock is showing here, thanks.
4:19
